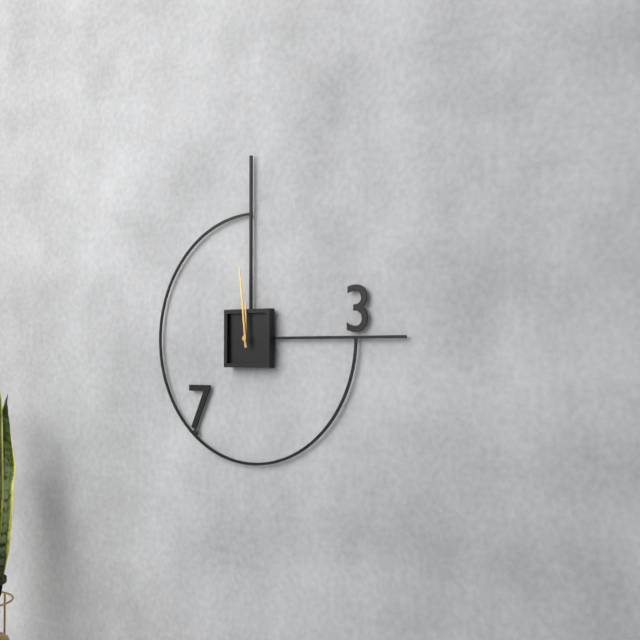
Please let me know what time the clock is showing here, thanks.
11:59
